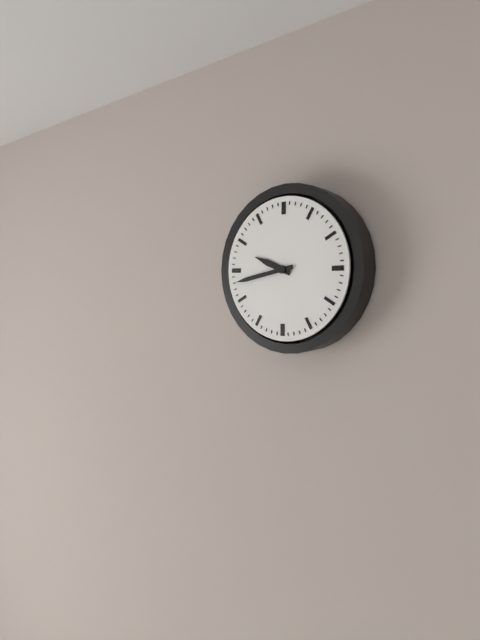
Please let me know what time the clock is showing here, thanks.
9:43
